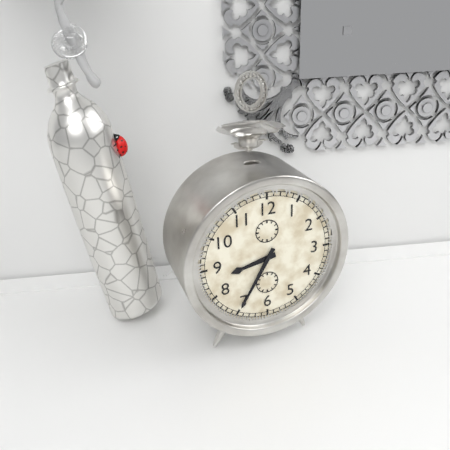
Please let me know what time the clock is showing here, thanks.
8:35
